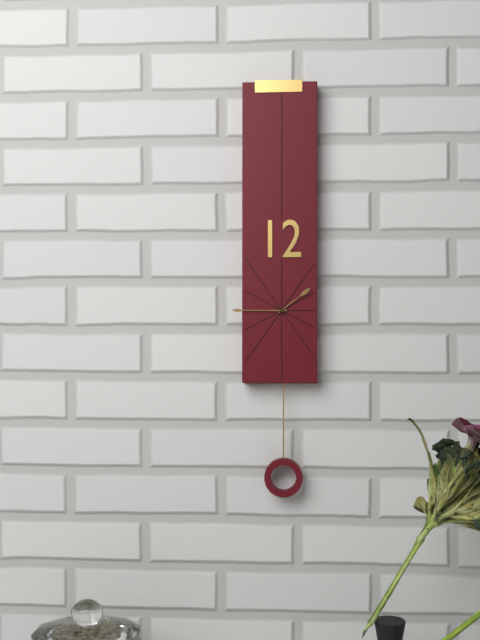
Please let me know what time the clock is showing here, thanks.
1:45
